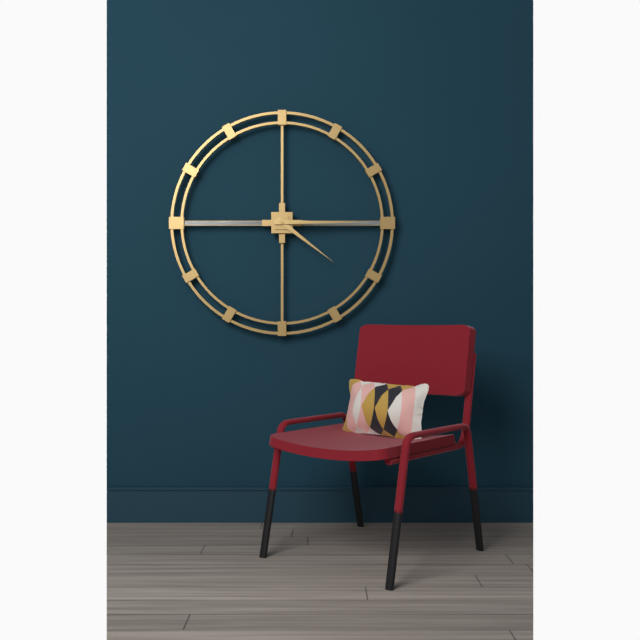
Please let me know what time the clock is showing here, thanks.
4:15
